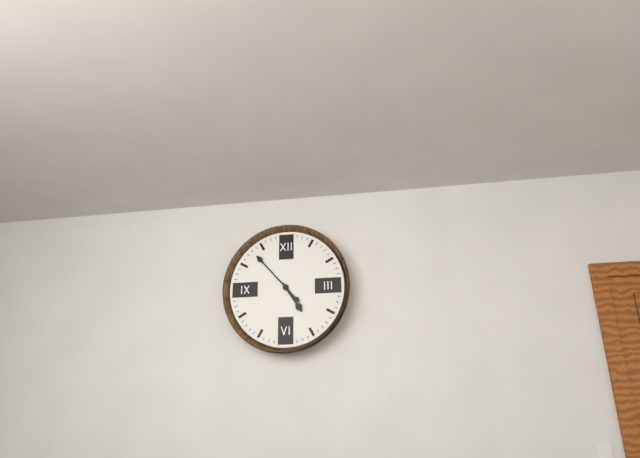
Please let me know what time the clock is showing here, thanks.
4:53
